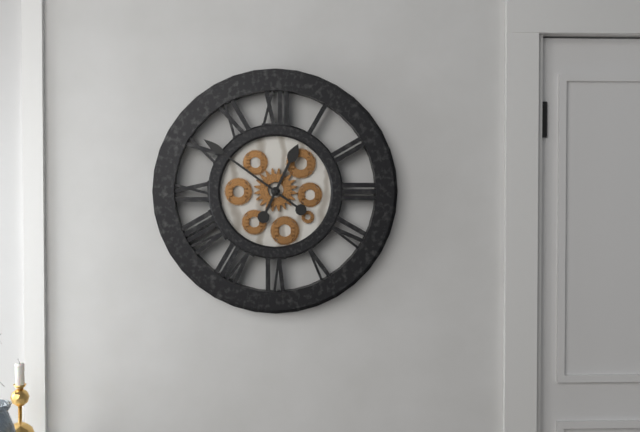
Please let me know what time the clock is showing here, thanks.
12:51
